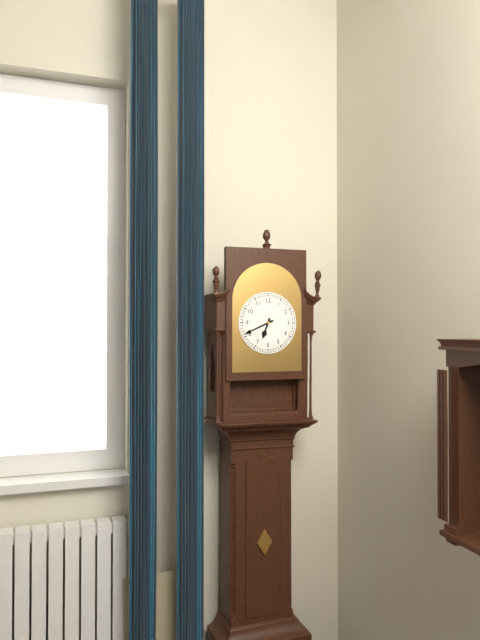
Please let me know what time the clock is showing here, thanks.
6:41
